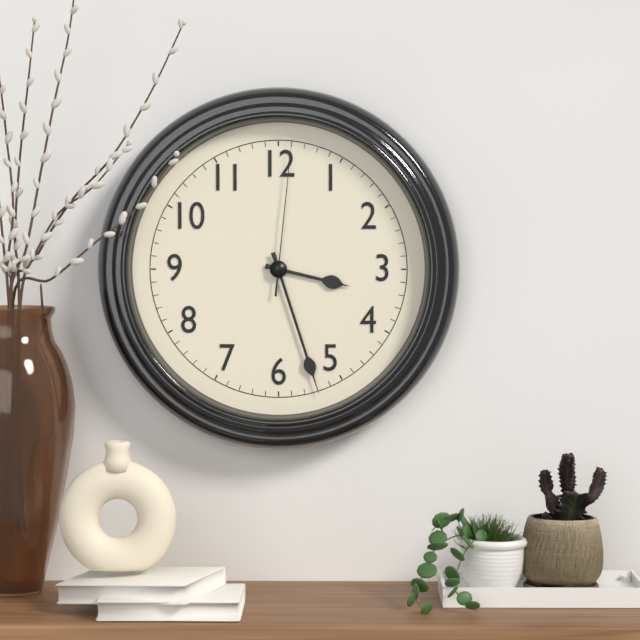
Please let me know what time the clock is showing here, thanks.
3:27:01
